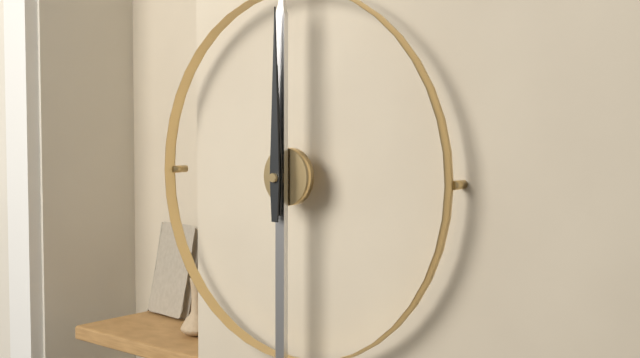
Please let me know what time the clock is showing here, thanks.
12:00
